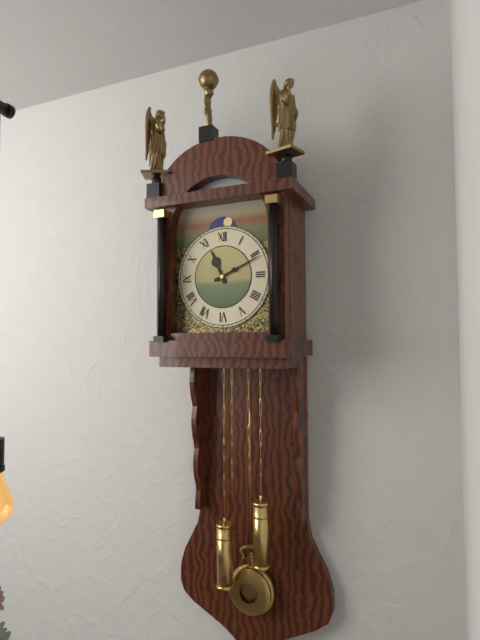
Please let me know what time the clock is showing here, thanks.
11:11
